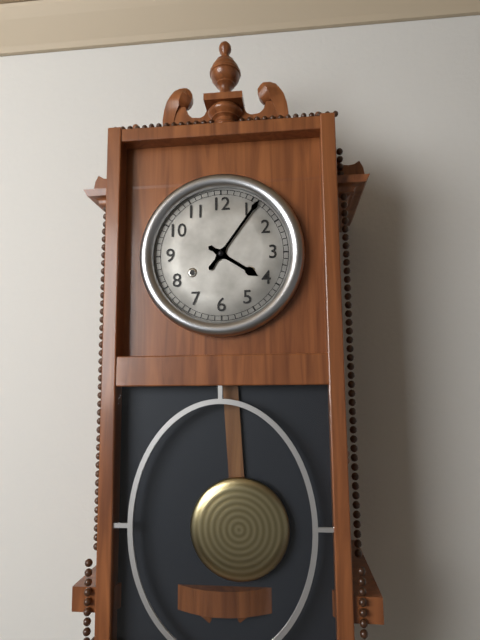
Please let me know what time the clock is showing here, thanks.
4:06
